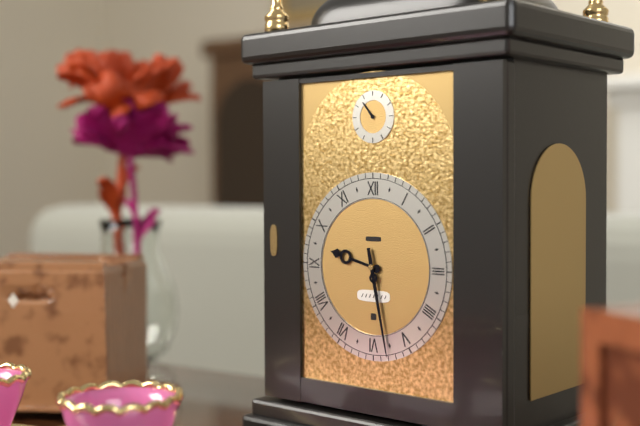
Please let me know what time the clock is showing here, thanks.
9:28
